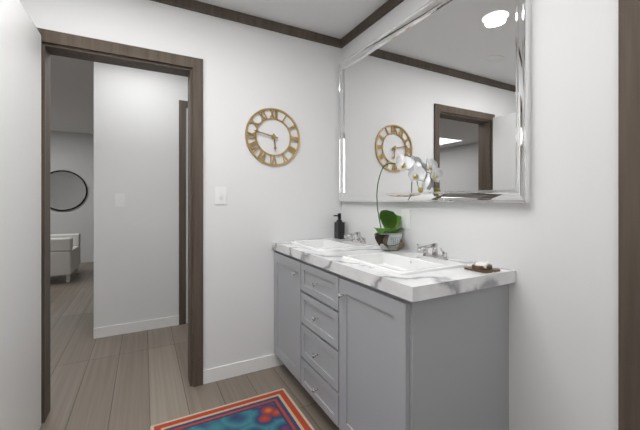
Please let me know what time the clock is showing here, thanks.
5:47
